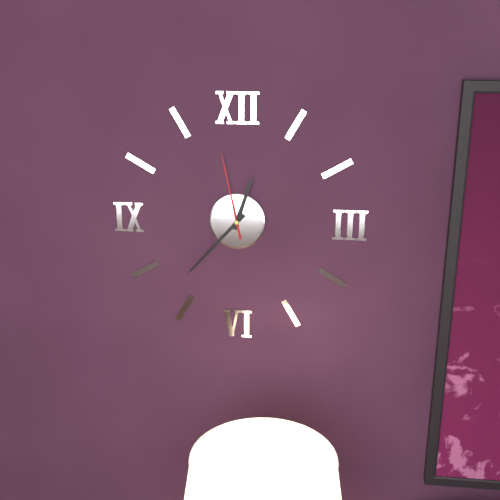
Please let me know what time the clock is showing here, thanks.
12:37:58
